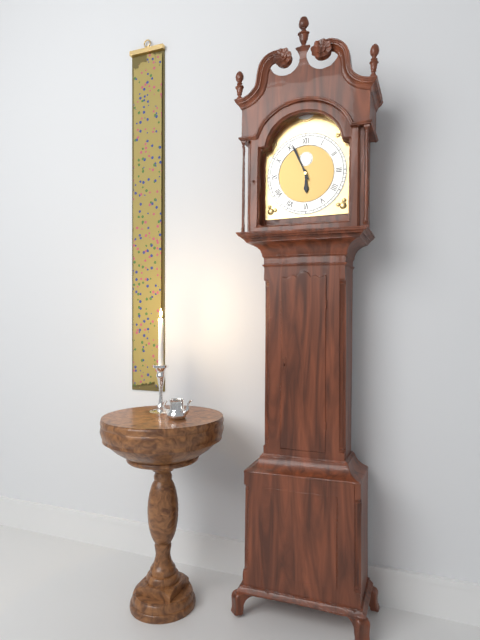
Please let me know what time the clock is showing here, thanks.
5:56
